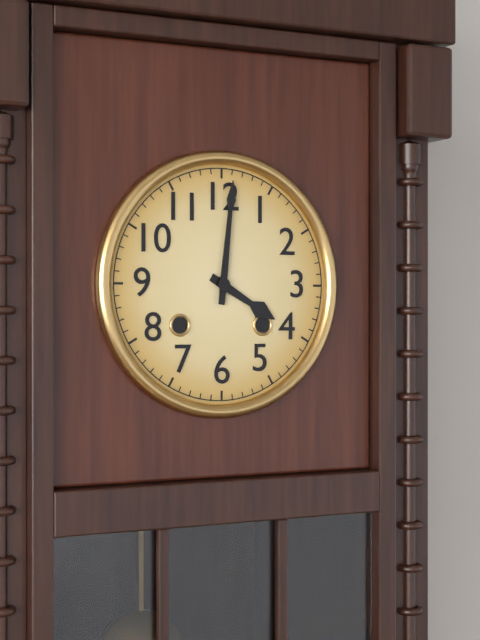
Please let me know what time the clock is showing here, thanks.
4:01
